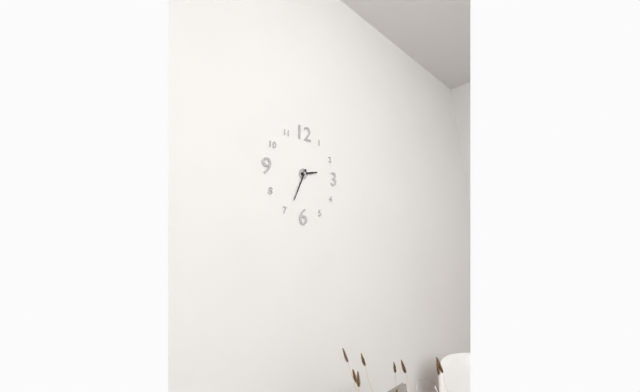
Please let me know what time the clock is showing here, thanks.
2:34
